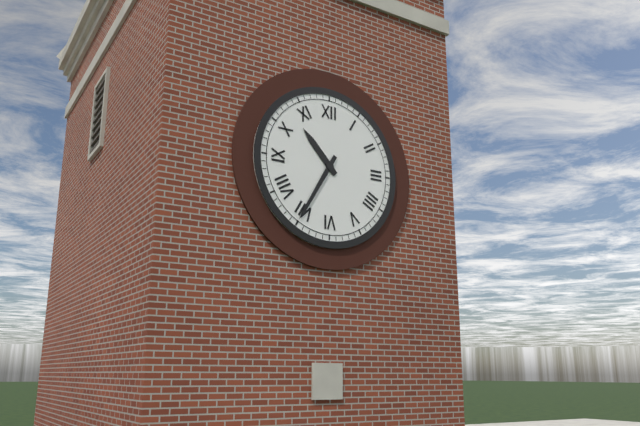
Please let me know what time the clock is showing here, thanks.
10:35
